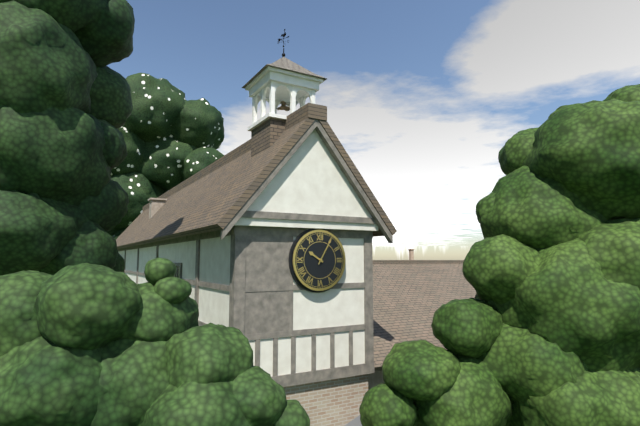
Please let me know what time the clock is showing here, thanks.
10:05
